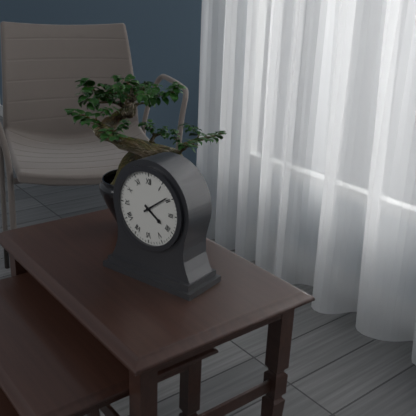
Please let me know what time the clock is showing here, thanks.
4:09
